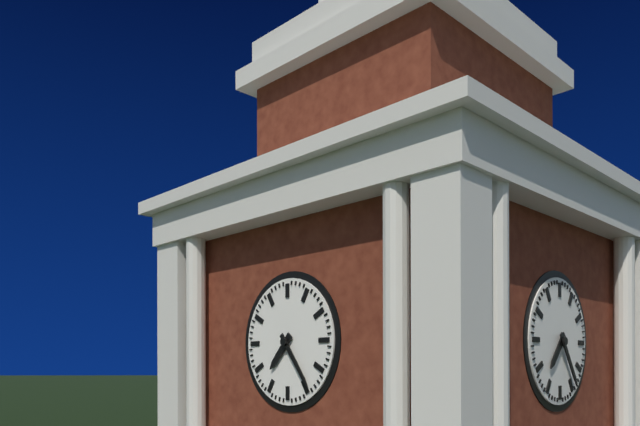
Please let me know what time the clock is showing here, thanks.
7:24
